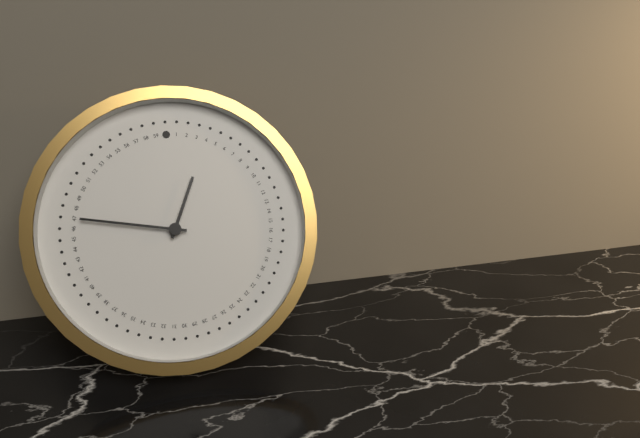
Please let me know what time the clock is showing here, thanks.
12:47
